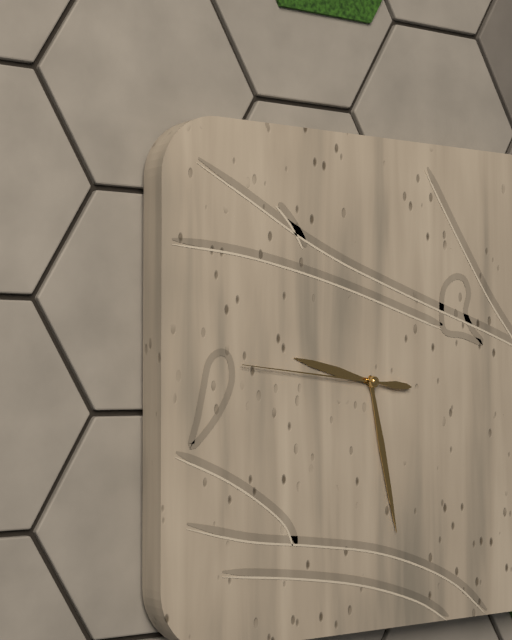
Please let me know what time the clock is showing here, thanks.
9:28:46
